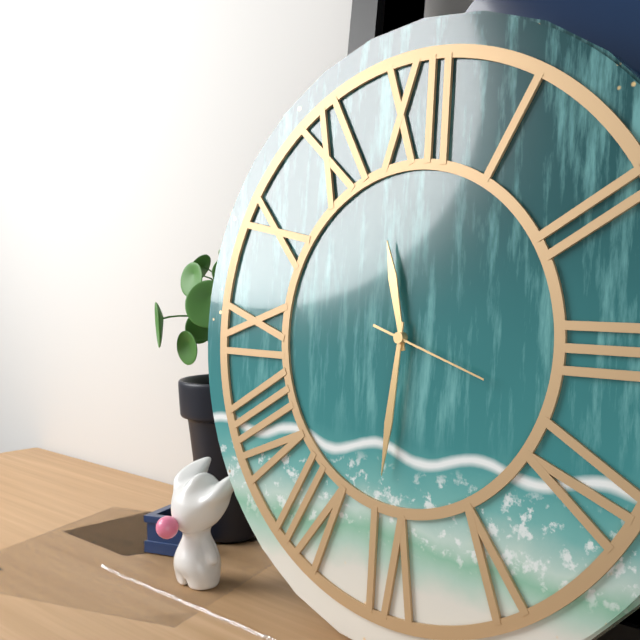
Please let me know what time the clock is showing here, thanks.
11:31:18
